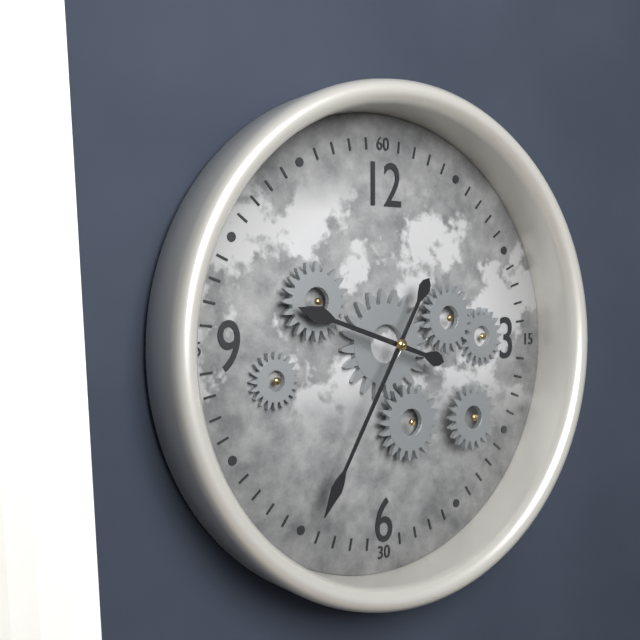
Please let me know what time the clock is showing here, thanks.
9:35
